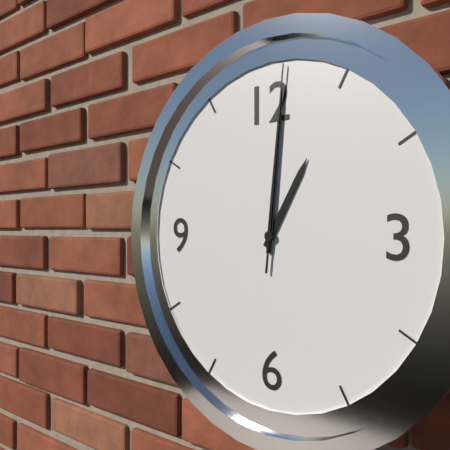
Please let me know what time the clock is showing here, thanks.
1:01:01
